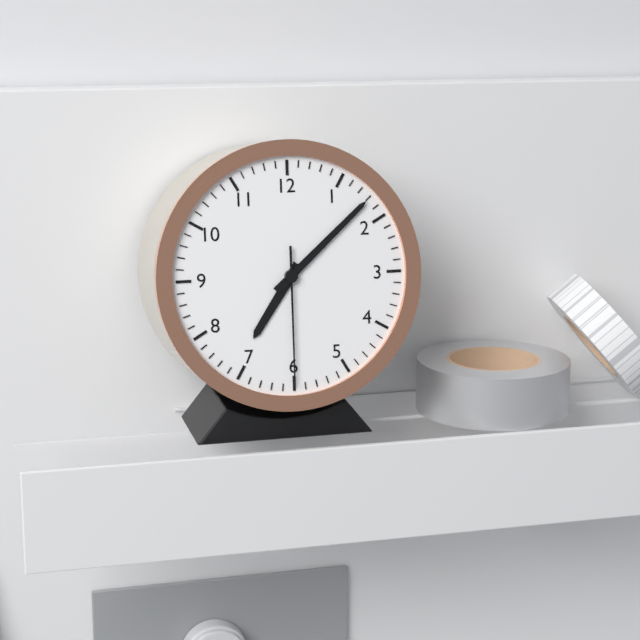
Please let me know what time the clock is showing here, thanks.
7:08:30
